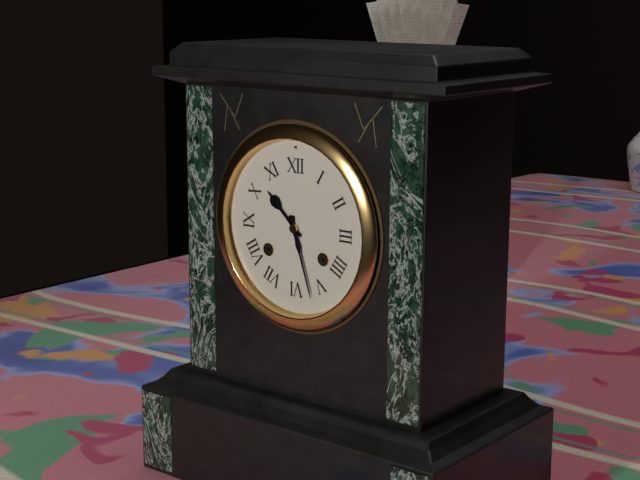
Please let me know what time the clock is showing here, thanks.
10:27
